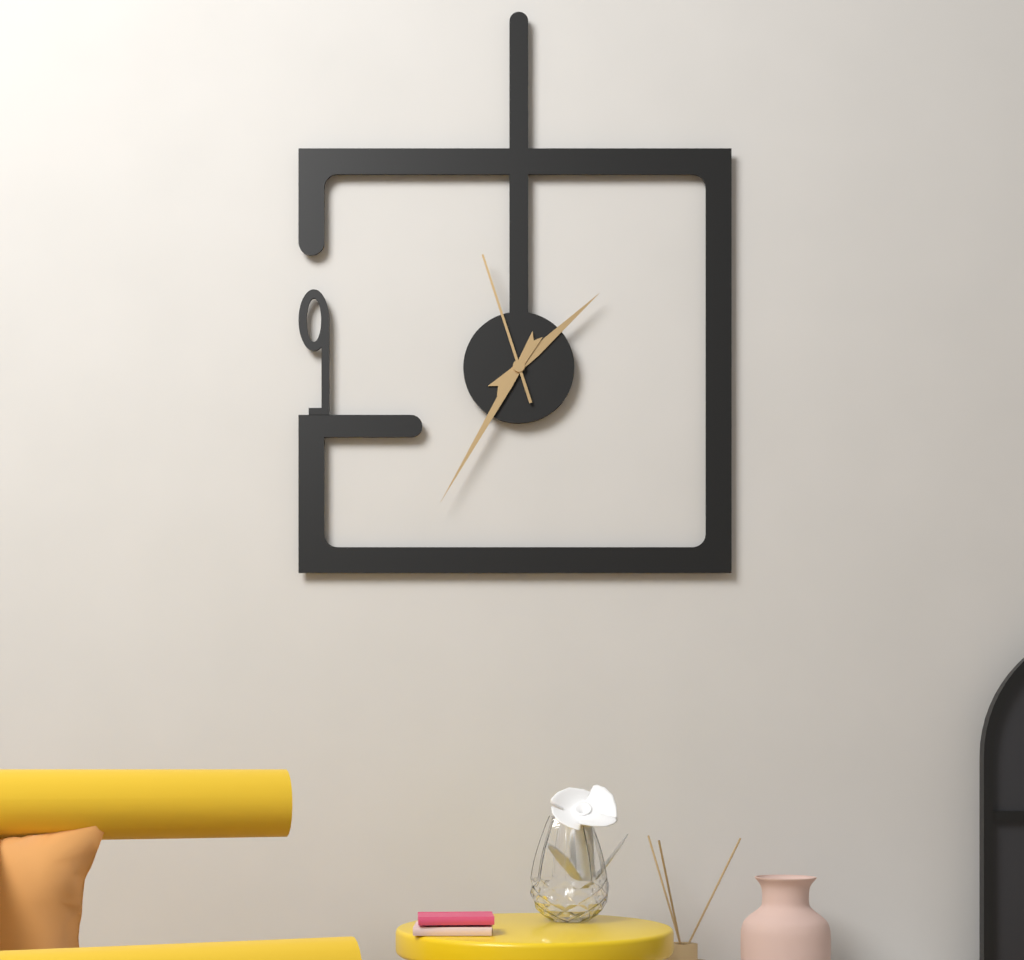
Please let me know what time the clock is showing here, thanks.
1:35:57
